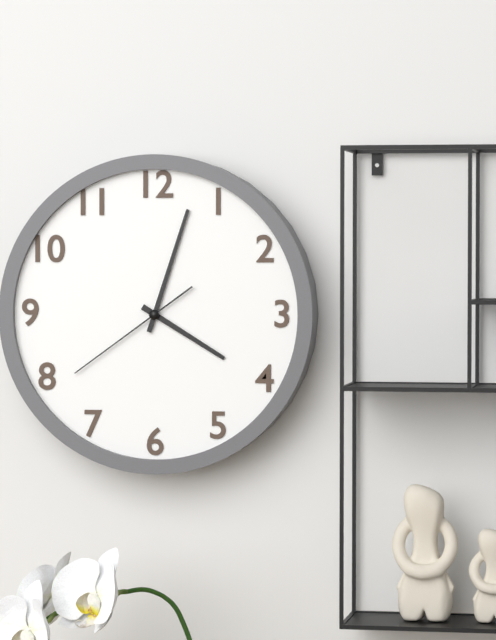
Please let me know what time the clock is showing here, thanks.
4:03:39
